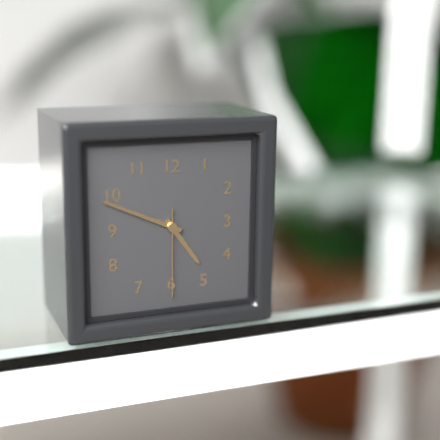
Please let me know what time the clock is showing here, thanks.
4:49:30
